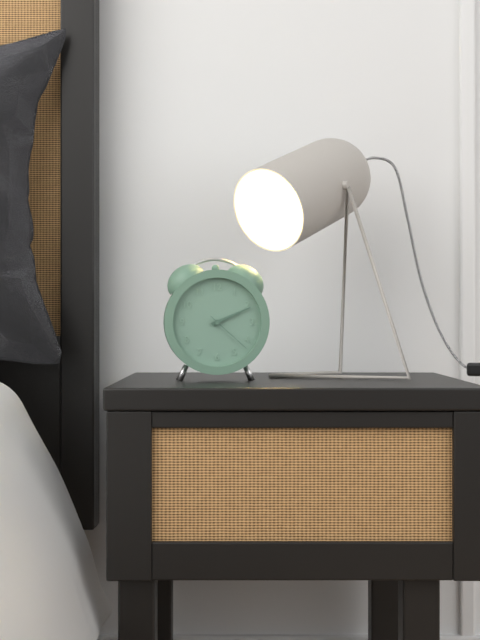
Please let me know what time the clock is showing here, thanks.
2:11
